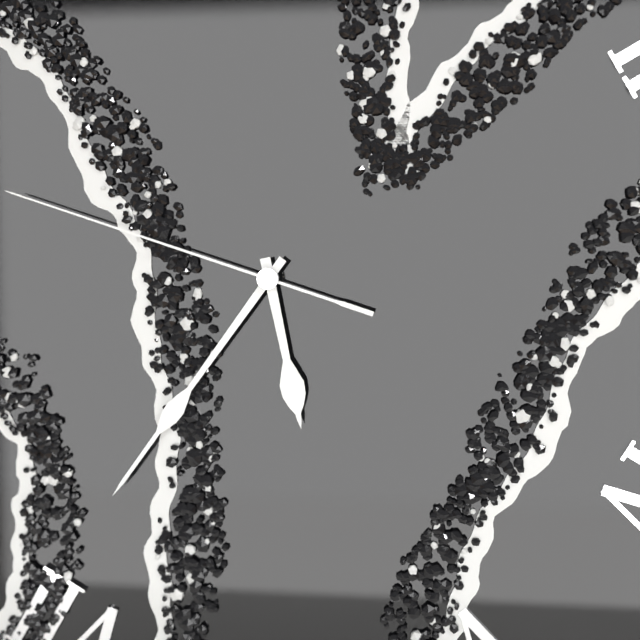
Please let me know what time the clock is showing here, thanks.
5:36:48
